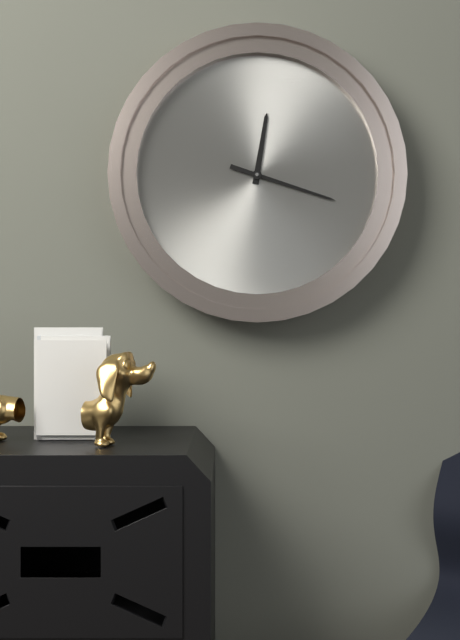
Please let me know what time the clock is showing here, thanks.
12:18
